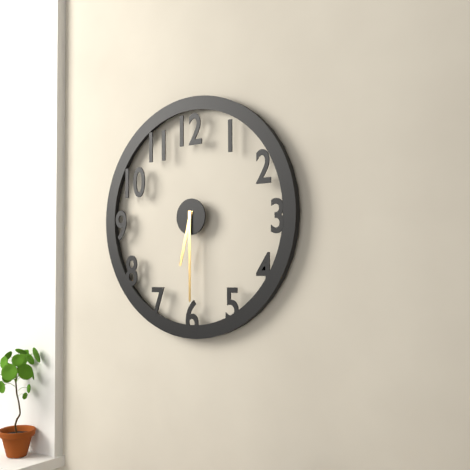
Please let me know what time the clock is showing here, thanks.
6:30
